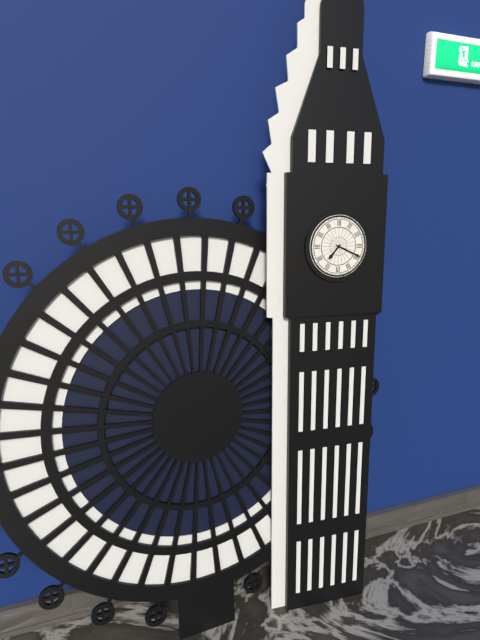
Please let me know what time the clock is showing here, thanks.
7:19
